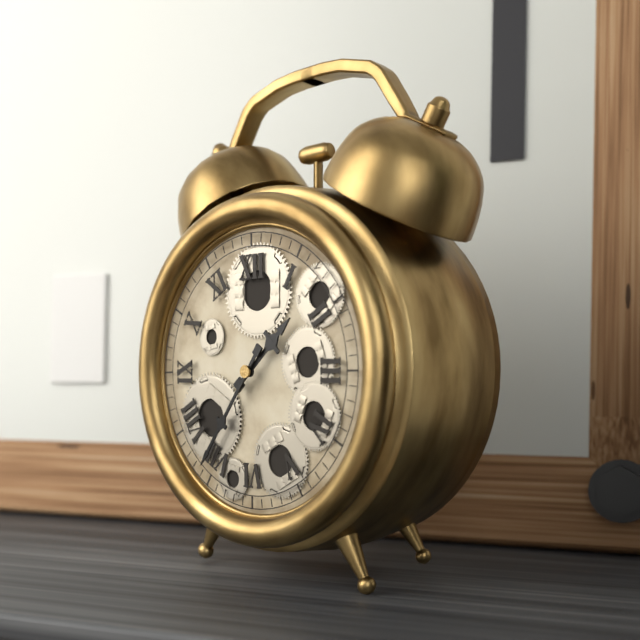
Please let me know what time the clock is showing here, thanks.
1:36
